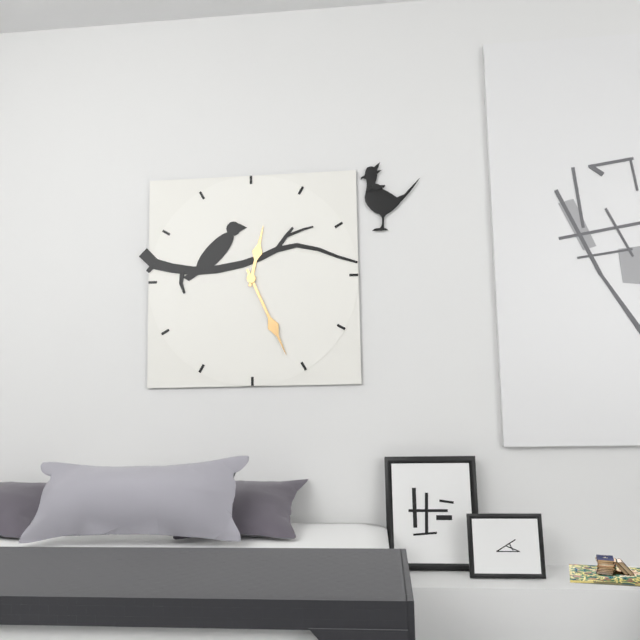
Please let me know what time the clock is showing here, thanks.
12:26
